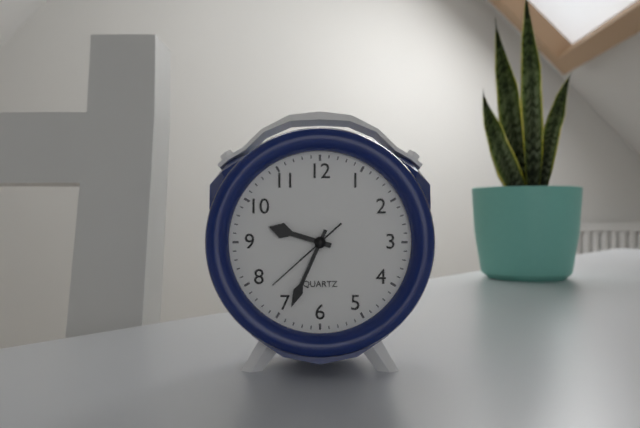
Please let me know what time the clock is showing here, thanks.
9:34:38
